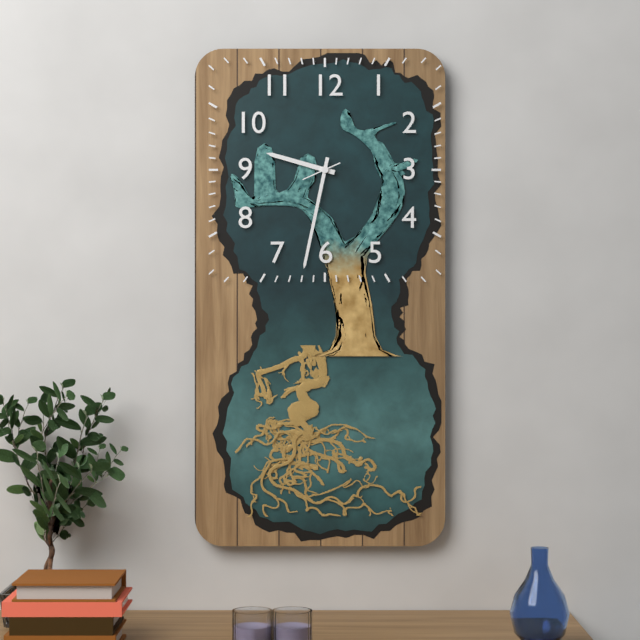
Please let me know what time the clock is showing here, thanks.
9:32
